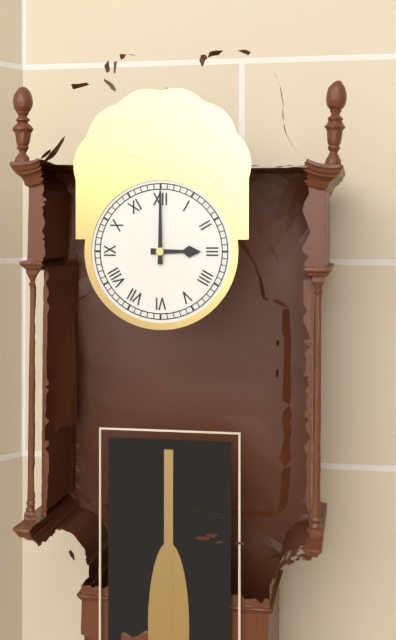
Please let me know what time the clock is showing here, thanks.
3:00
